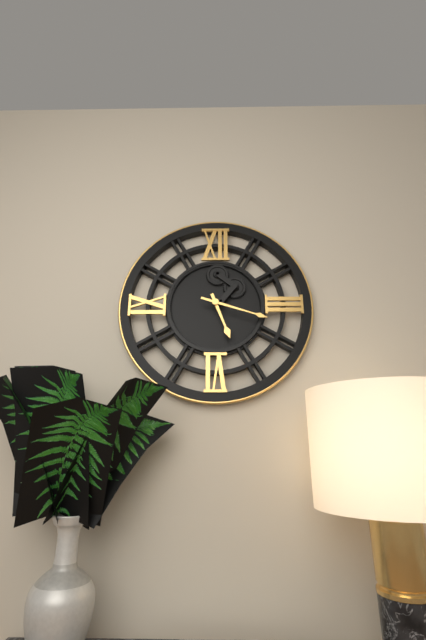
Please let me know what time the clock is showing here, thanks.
5:18
